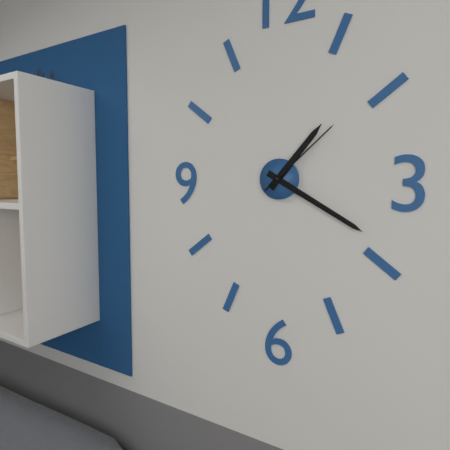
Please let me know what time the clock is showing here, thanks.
1:20:08
